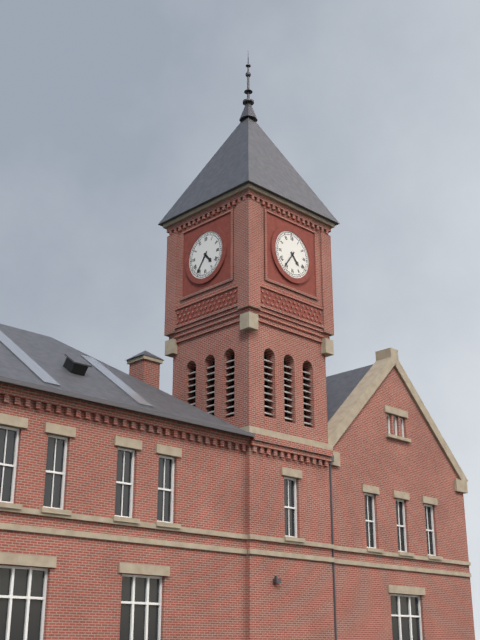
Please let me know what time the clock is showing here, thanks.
4:36
